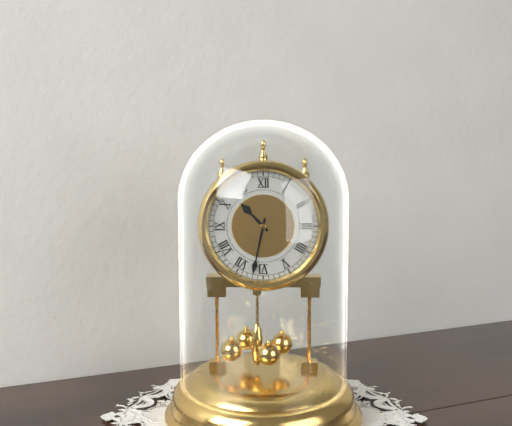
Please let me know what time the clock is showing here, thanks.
10:32
